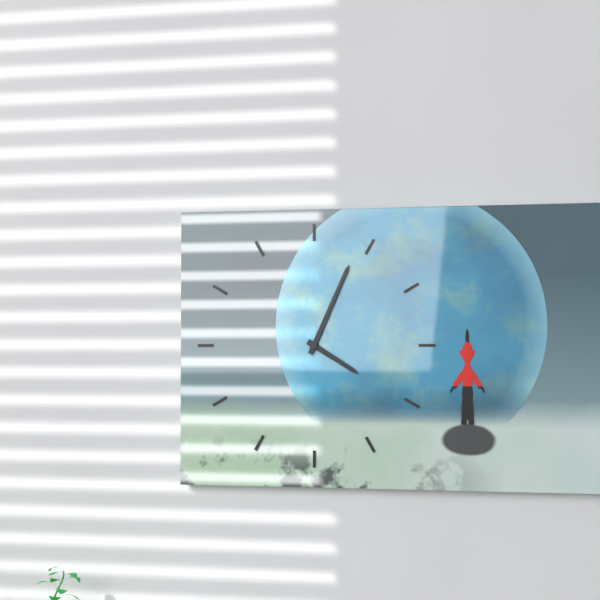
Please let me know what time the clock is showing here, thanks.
4:04
